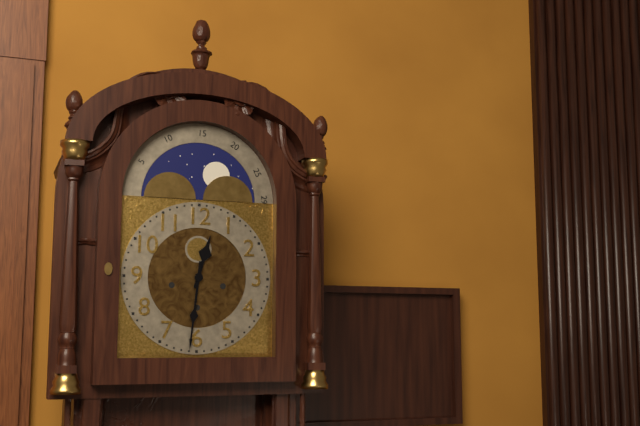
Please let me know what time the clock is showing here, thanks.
12:31
